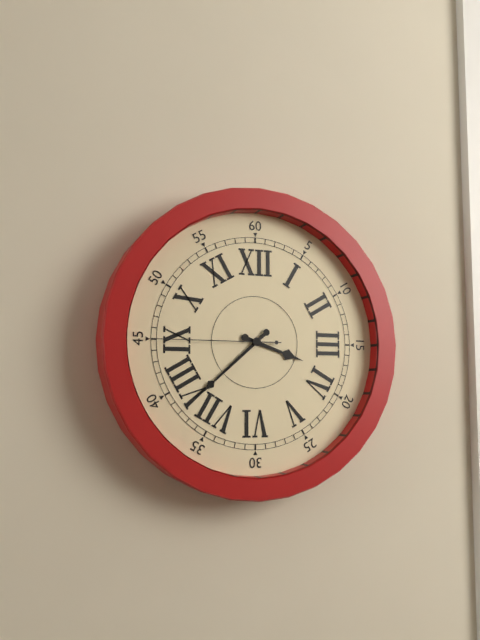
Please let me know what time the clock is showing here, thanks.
3:38:45
